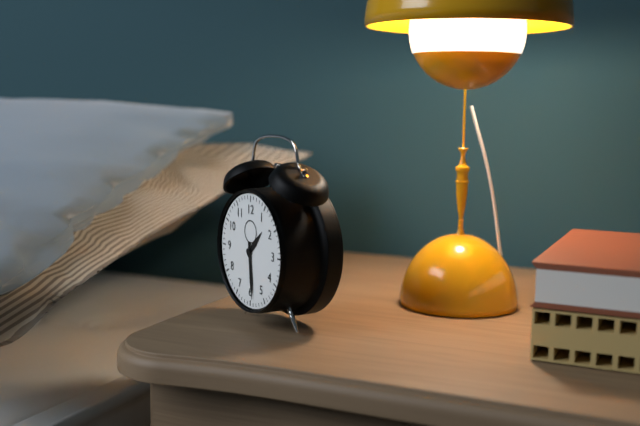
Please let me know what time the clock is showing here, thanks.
1:29
